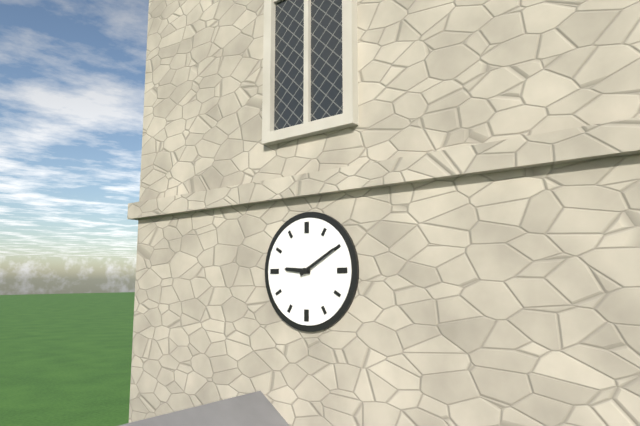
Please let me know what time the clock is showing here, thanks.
9:10
